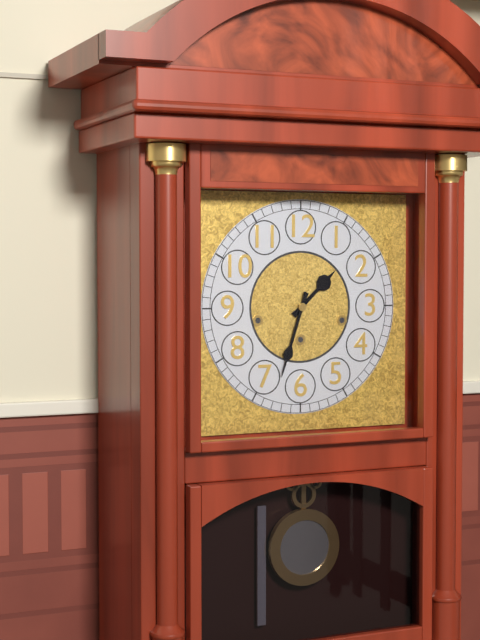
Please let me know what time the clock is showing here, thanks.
1:33
